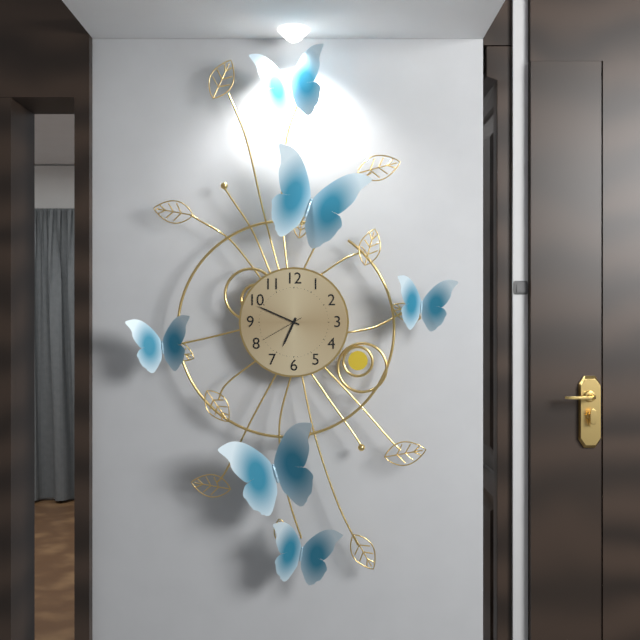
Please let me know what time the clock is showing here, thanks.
6:49
